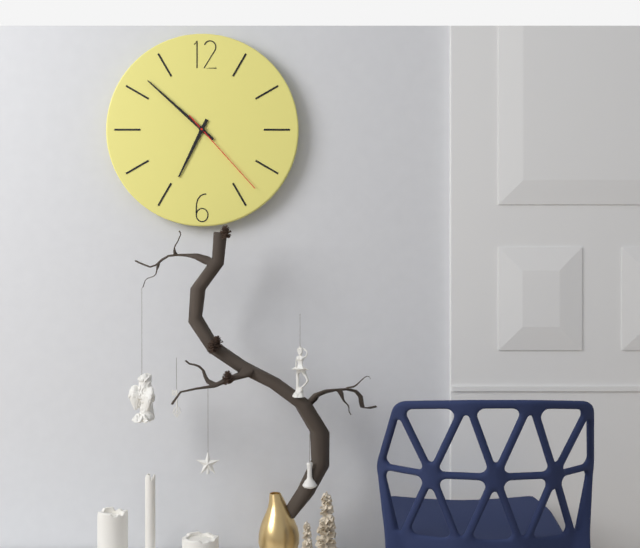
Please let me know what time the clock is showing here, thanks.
6:52:23
